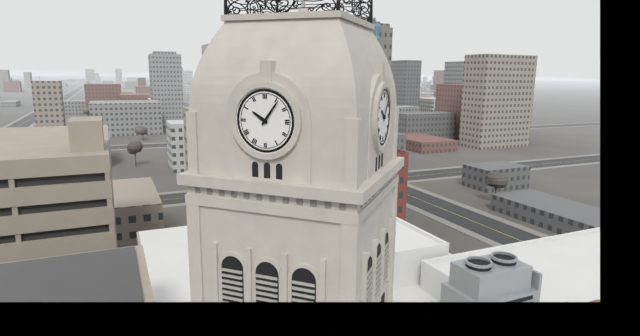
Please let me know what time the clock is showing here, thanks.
10:06
